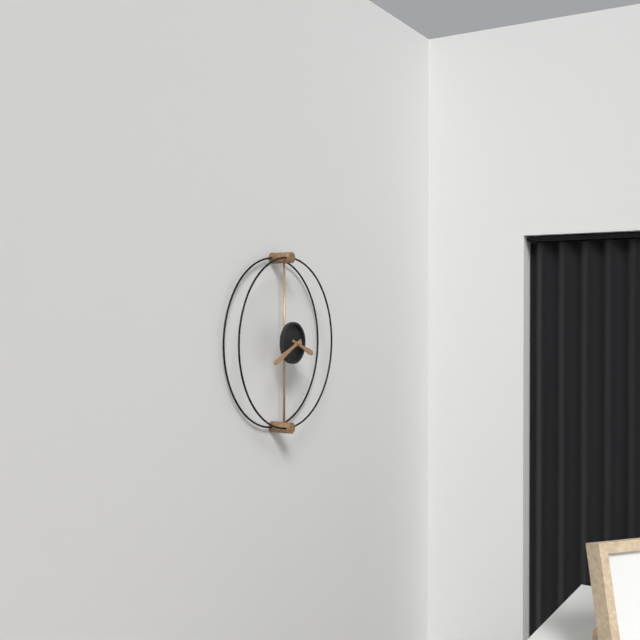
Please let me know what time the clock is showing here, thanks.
3:41
